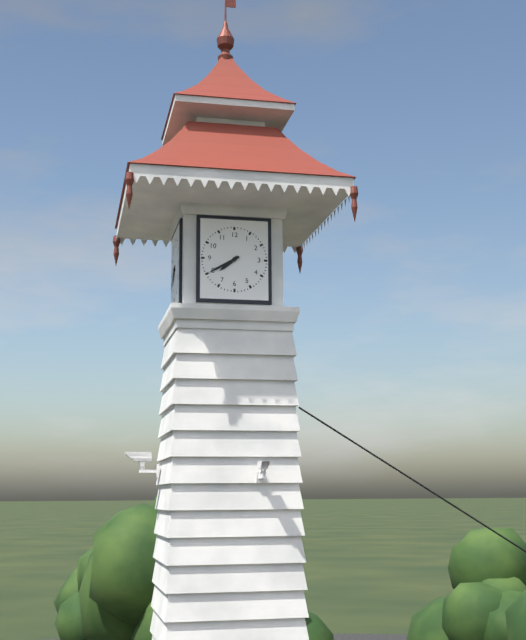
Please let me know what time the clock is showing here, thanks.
7:40
